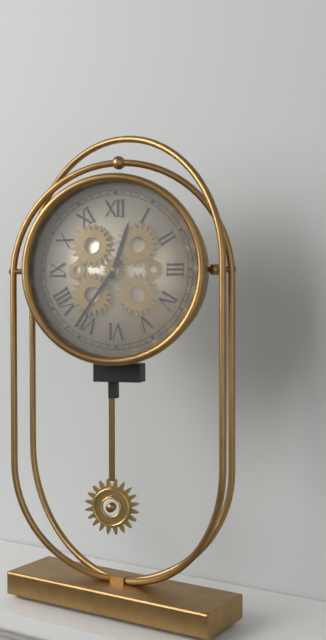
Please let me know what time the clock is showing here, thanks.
12:36
